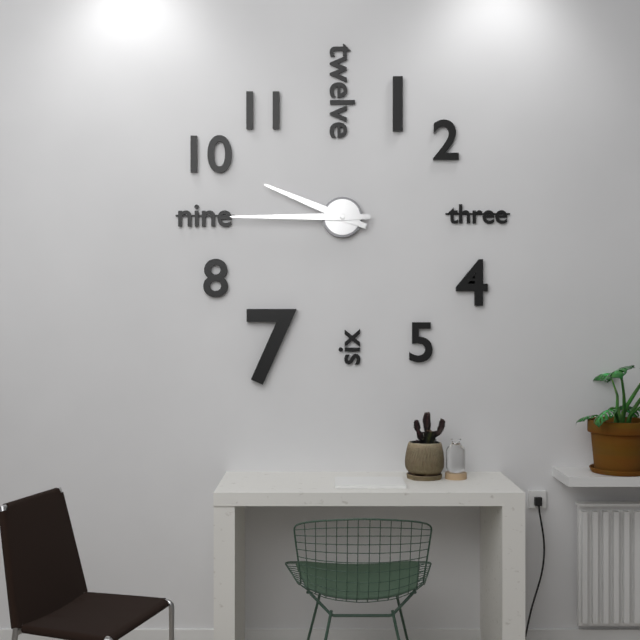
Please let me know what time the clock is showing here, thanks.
9:45
